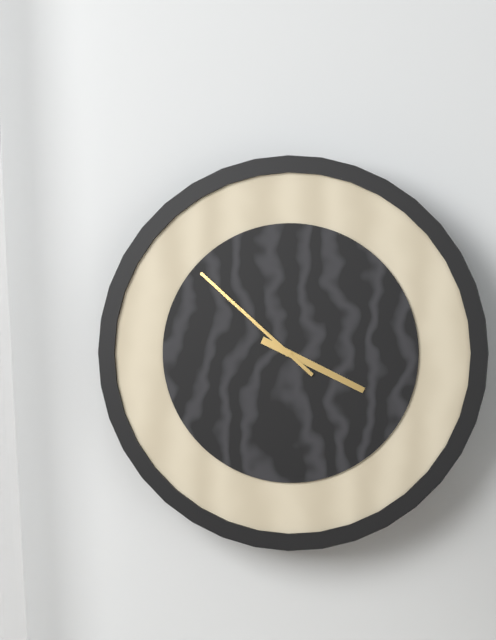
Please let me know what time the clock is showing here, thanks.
3:52
